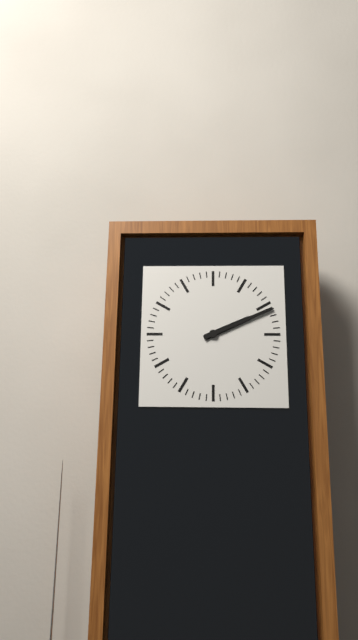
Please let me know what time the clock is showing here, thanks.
2:11
